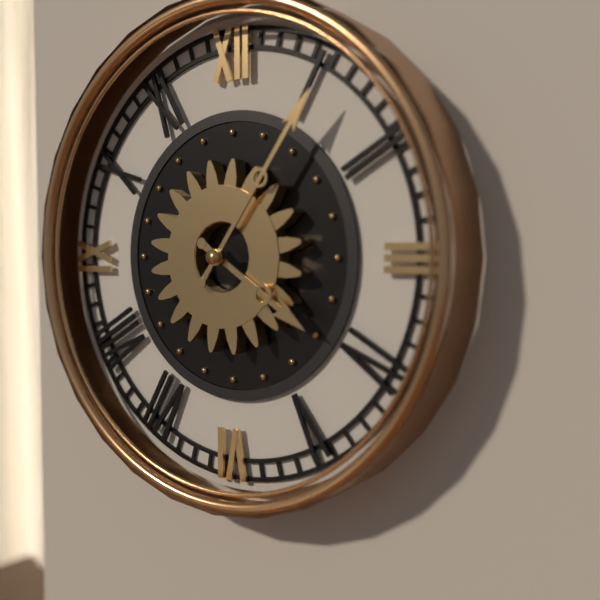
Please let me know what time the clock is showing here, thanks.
4:06
